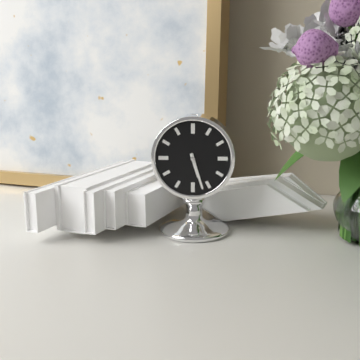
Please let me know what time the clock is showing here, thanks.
5:27
